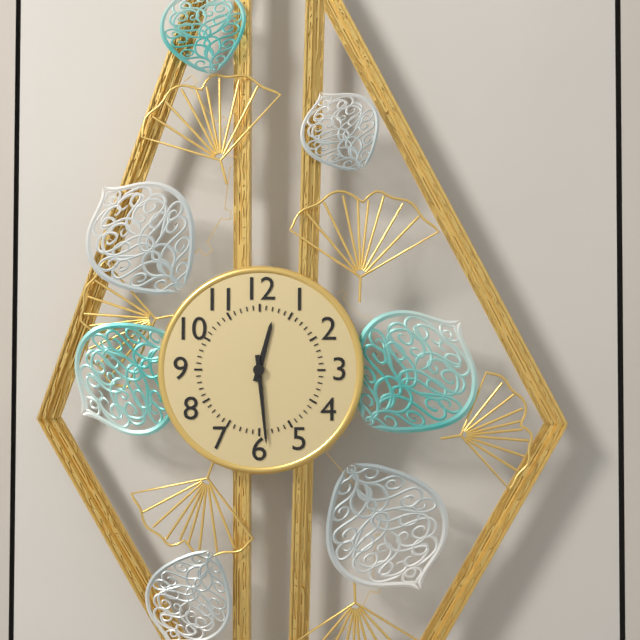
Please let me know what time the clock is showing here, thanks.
12:29
